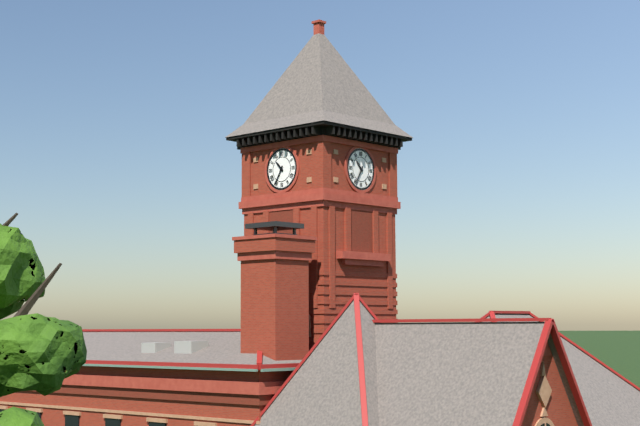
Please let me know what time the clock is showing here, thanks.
10:35
